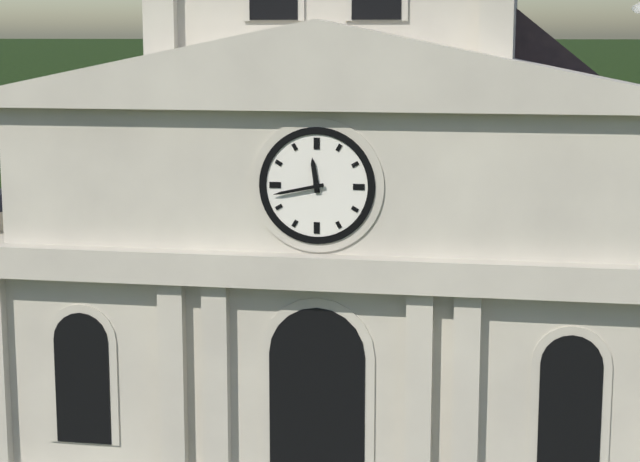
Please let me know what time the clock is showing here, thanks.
11:43
